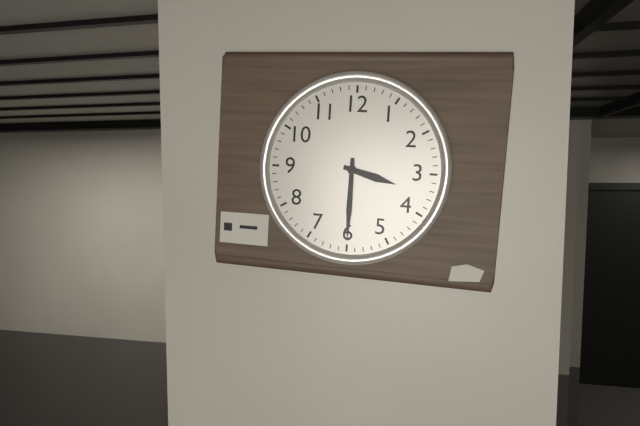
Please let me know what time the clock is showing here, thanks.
3:30
